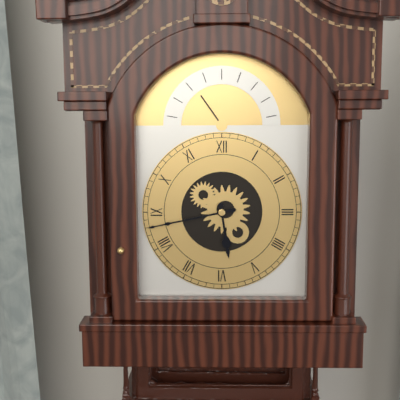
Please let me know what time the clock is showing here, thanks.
5:43
